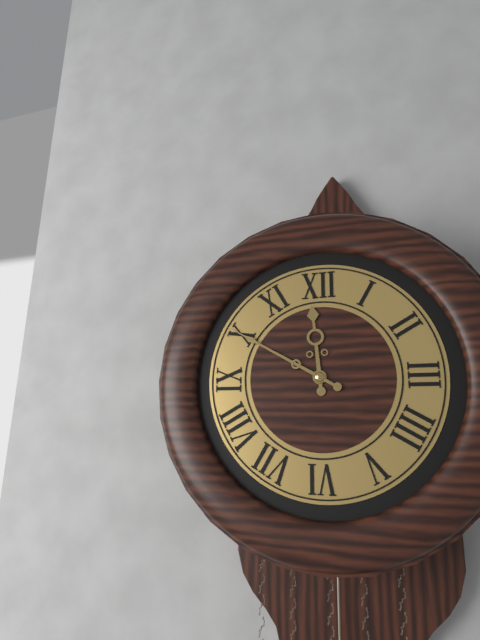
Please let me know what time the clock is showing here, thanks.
11:50
